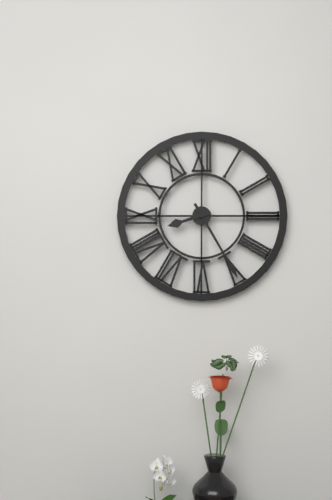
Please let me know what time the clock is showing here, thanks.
8:25
